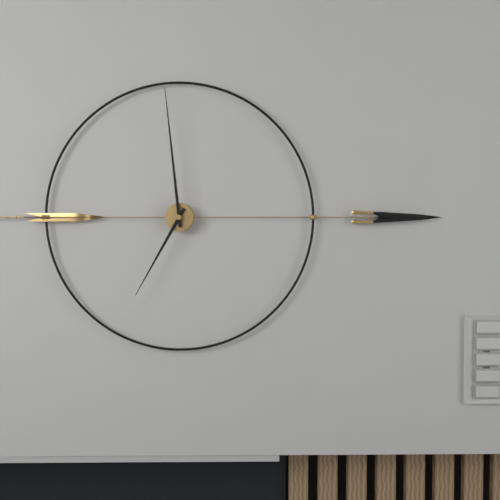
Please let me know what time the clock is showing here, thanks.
6:59
